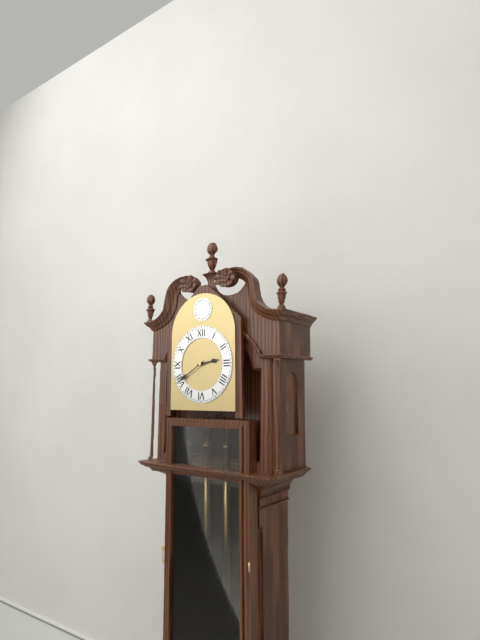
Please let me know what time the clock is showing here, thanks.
2:40
